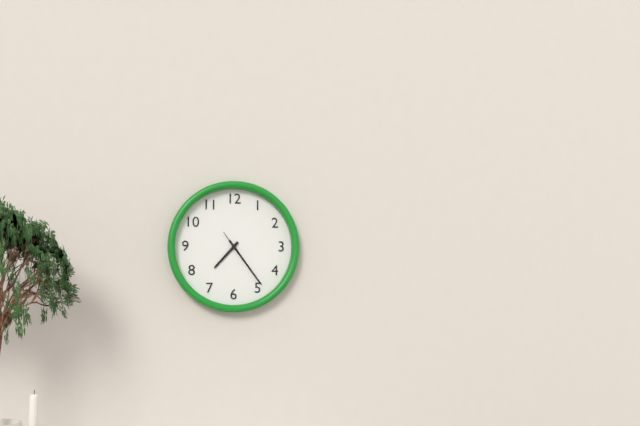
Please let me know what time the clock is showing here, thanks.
7:24:24
